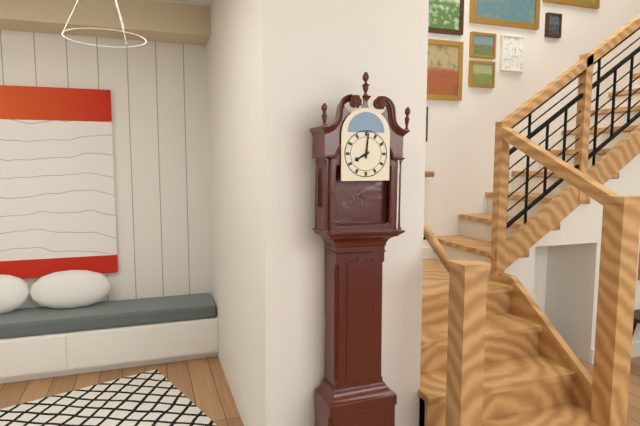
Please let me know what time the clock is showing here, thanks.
8:01
